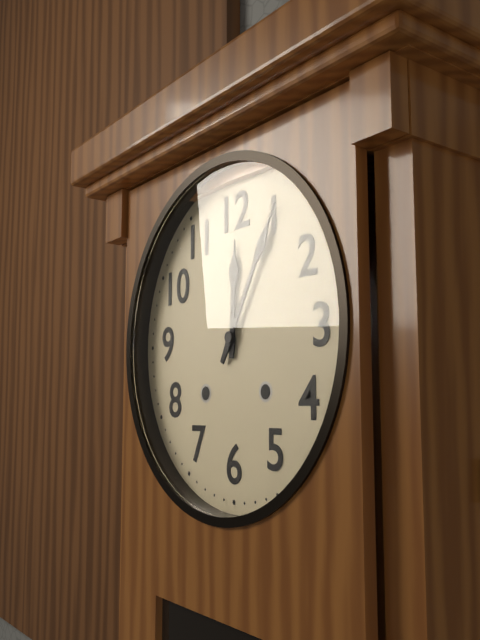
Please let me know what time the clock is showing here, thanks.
12:05
